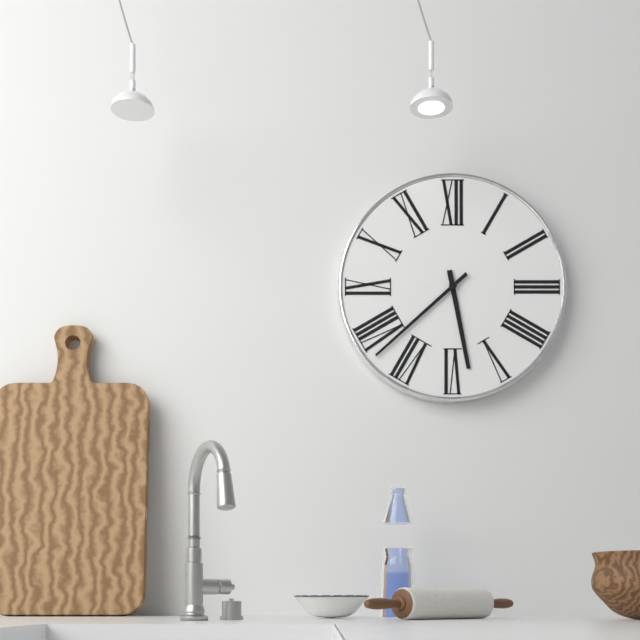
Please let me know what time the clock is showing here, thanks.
5:38
